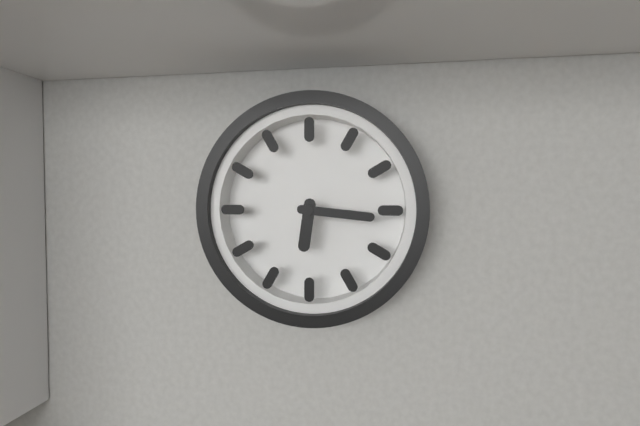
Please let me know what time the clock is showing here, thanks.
6:16
